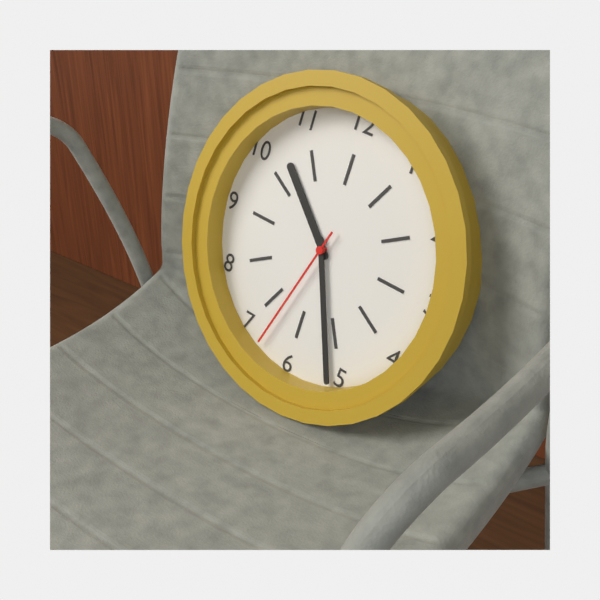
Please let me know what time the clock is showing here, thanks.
10:26:33
